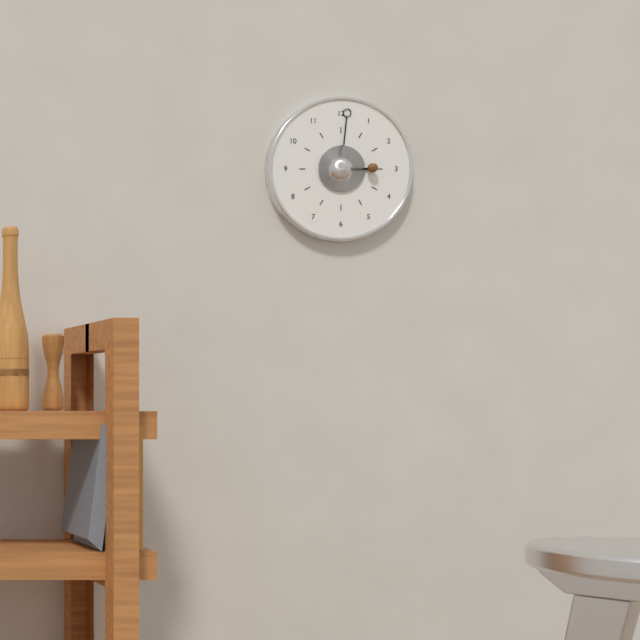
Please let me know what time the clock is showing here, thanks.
3:01
